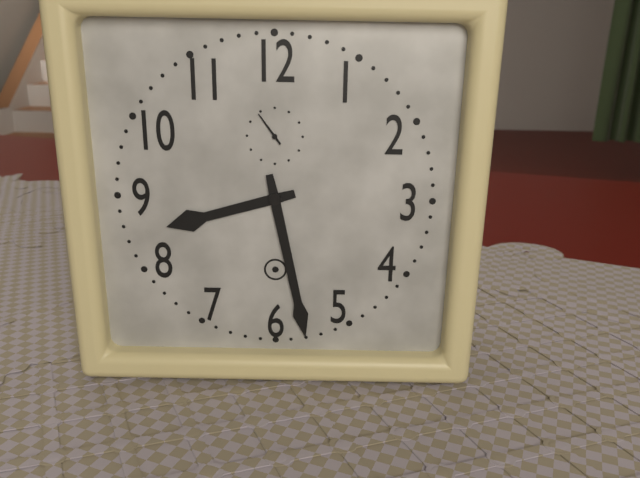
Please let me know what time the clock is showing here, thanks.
8:28
